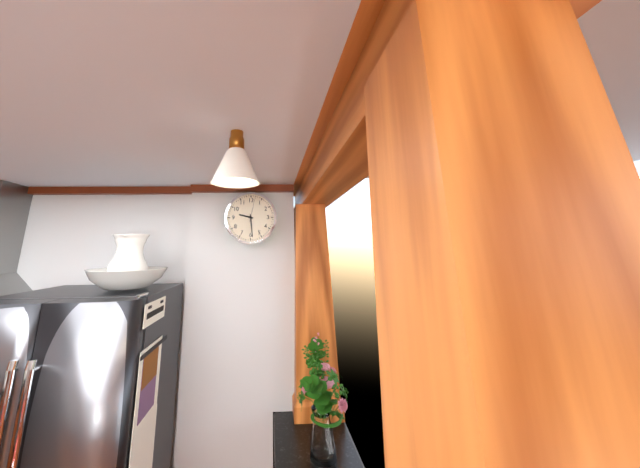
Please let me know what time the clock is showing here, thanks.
9:29
